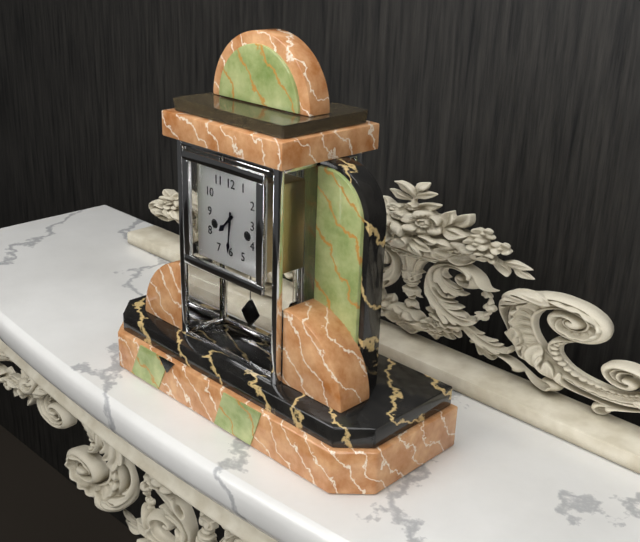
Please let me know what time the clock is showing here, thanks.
7:31
